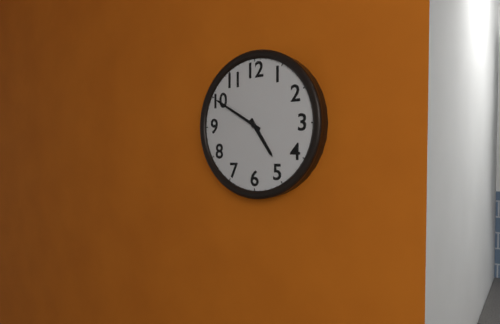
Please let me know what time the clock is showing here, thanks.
4:50
